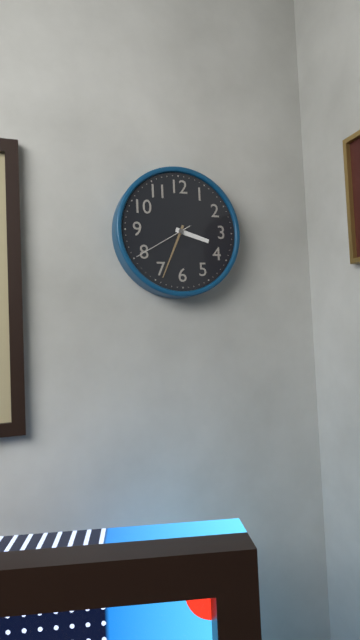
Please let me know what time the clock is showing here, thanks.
3:34:40
